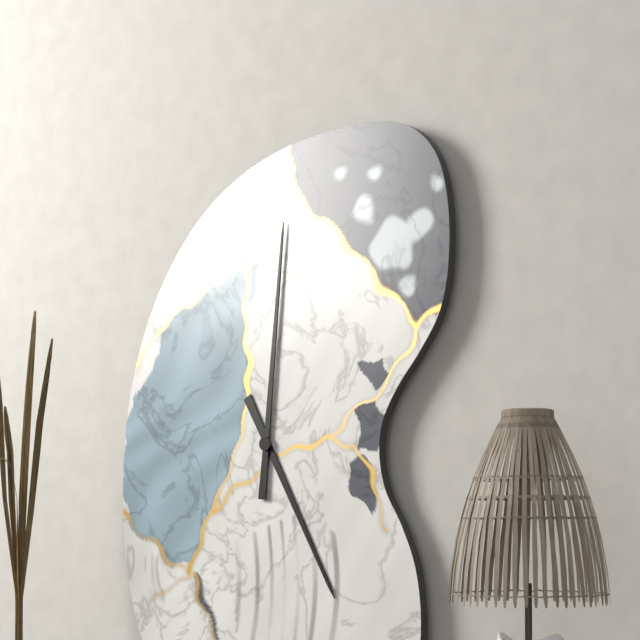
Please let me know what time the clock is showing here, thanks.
5:01
